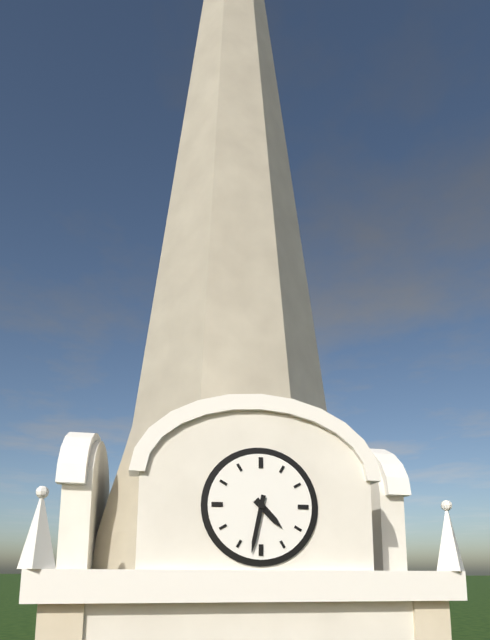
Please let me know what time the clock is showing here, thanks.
4:32
